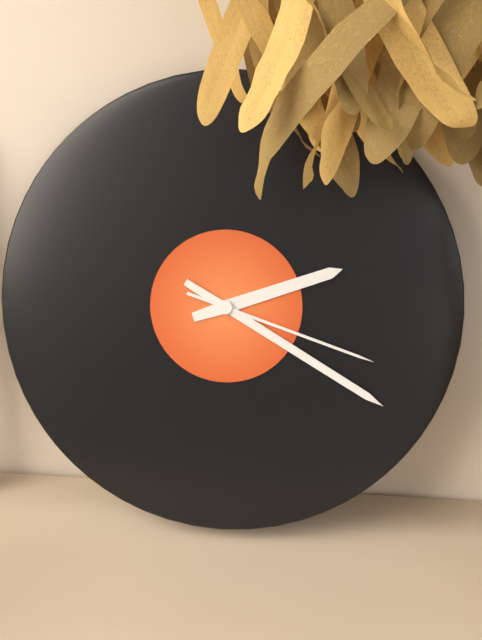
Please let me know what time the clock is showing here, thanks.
2:20:18
